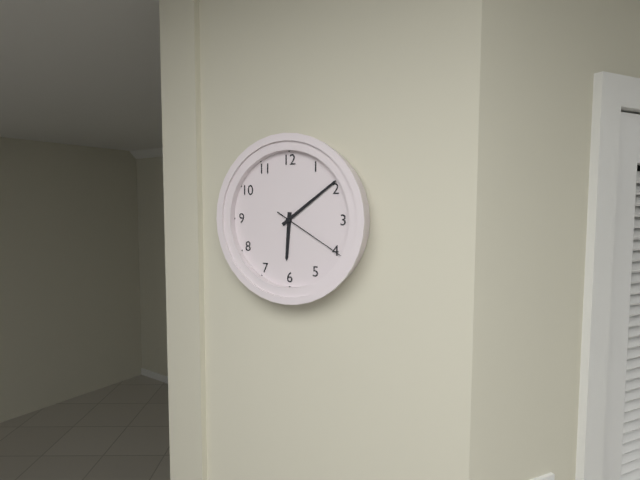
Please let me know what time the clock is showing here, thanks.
6:09:20
